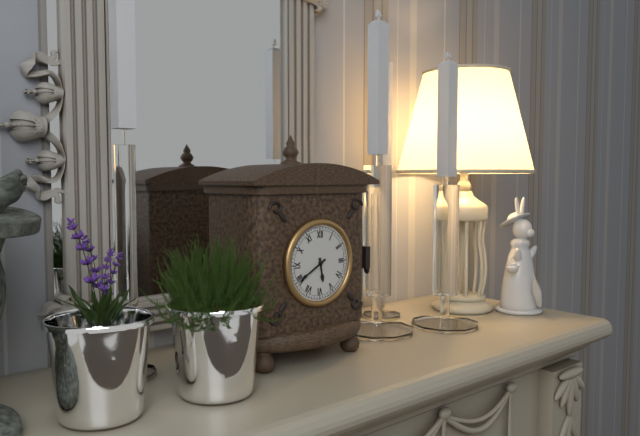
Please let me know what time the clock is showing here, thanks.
5:40
